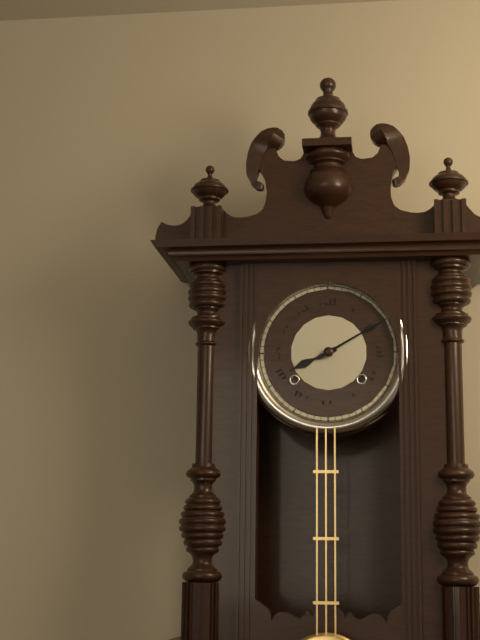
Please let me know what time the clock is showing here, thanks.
8:10
